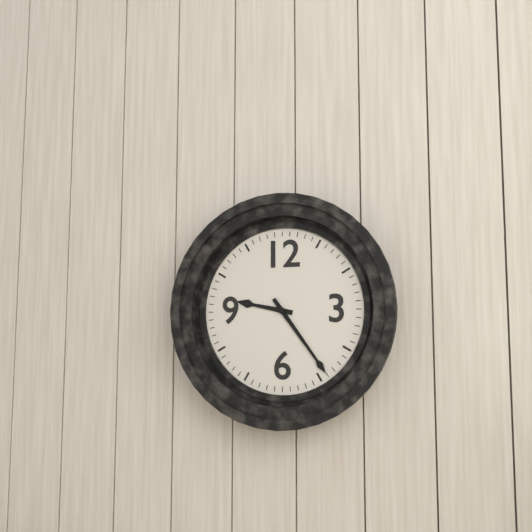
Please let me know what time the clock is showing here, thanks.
9:24
